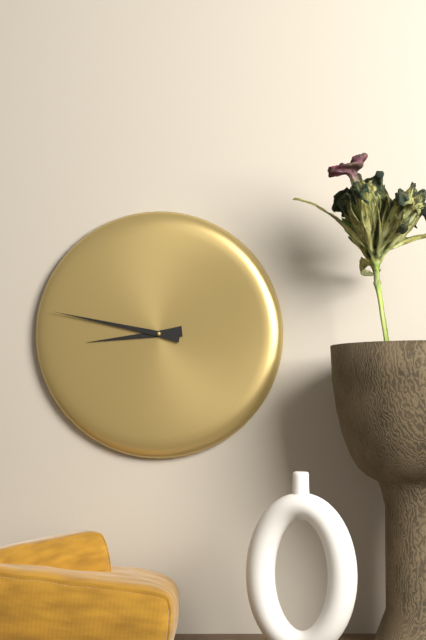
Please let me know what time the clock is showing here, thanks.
8:47
